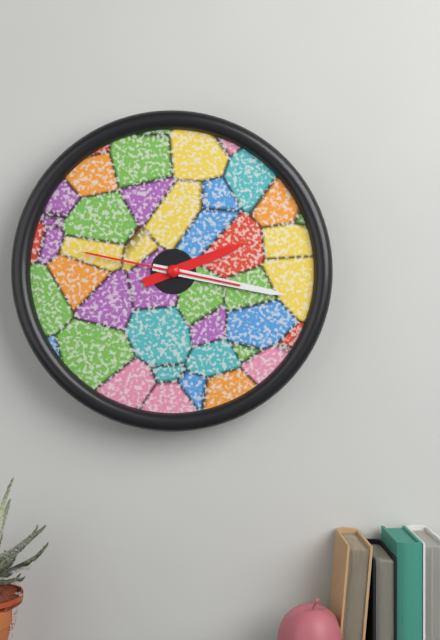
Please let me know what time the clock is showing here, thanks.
2:17:47
